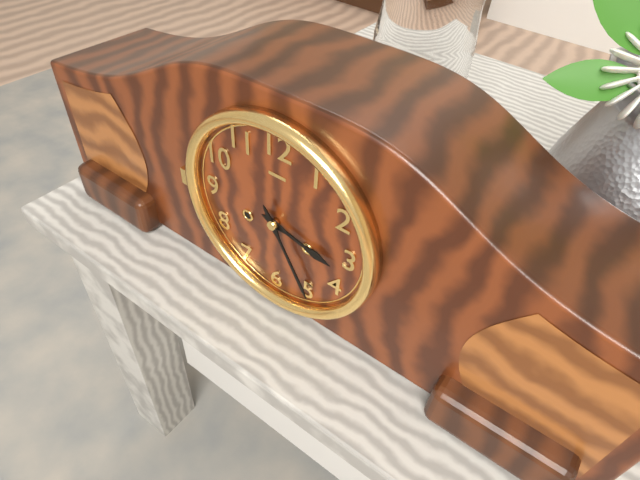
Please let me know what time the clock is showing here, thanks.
3:25
